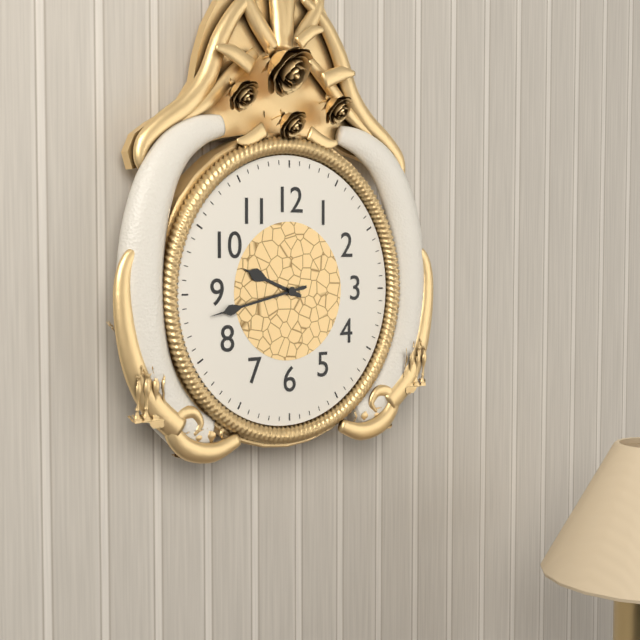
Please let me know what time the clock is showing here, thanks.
9:43
